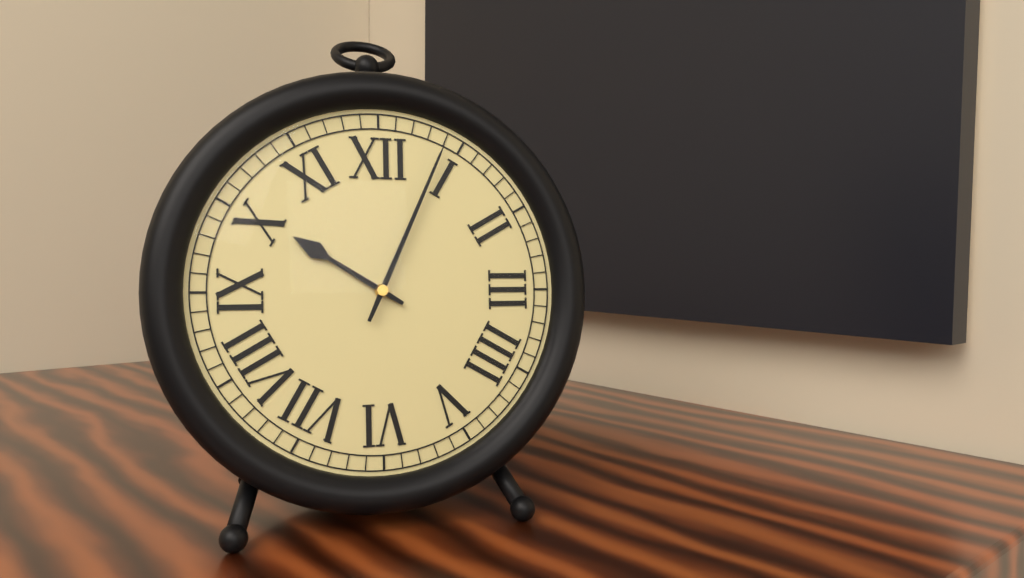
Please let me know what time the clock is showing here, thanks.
10:04
